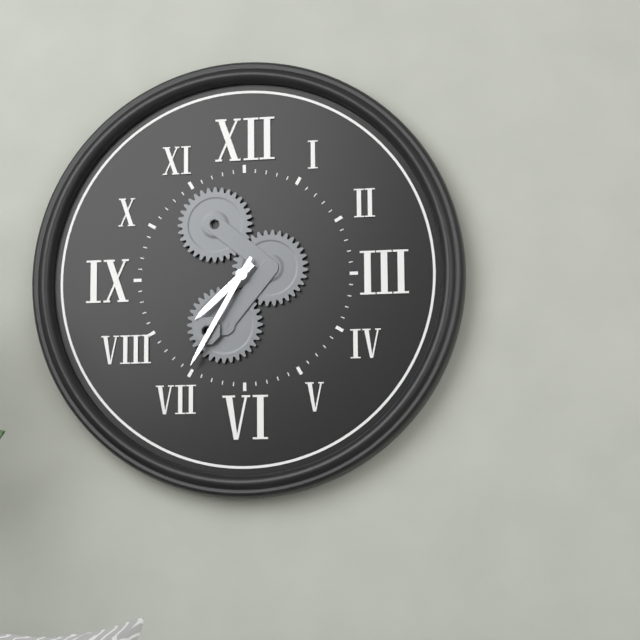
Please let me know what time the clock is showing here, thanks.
7:35
